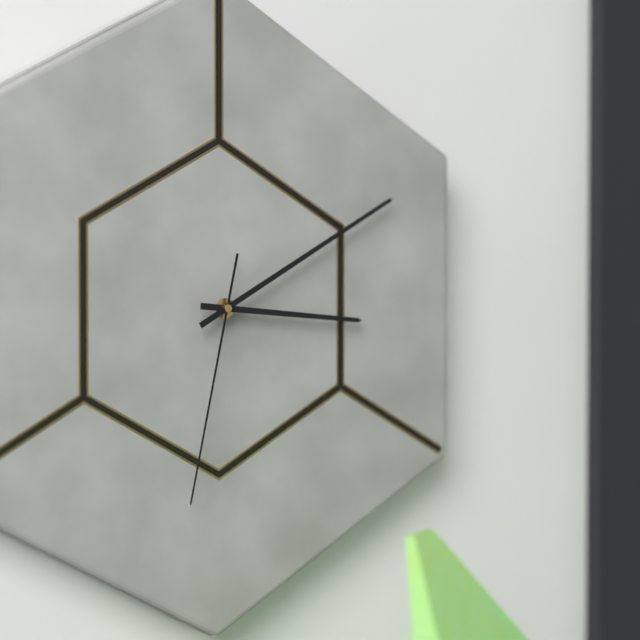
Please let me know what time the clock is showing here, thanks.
3:10:32
